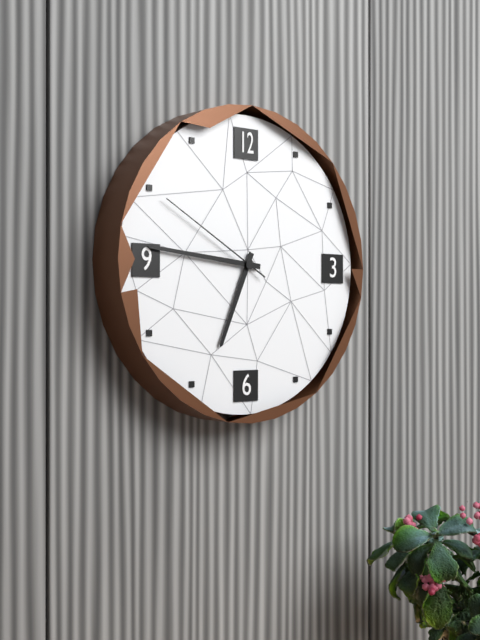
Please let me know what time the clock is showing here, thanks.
6:46:50
